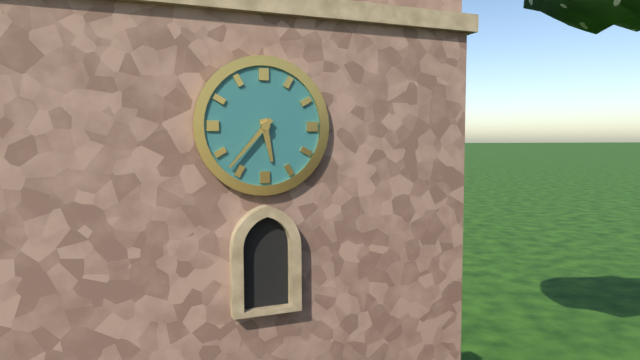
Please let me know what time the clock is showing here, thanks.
5:37
